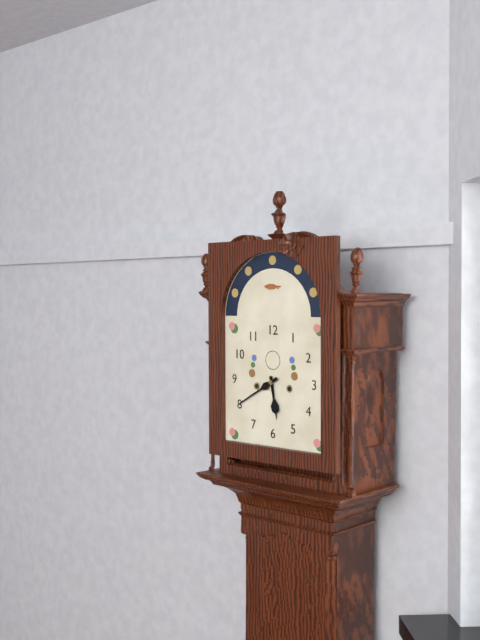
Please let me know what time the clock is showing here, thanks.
5:40
